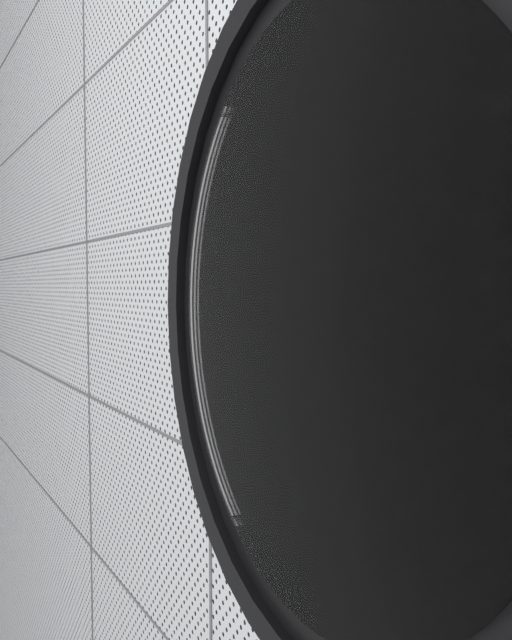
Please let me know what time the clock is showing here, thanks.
3:16
